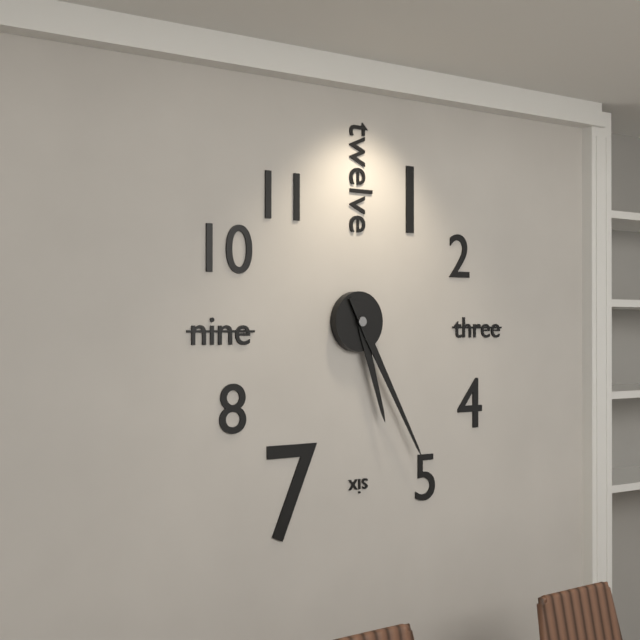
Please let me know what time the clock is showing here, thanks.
5:25
